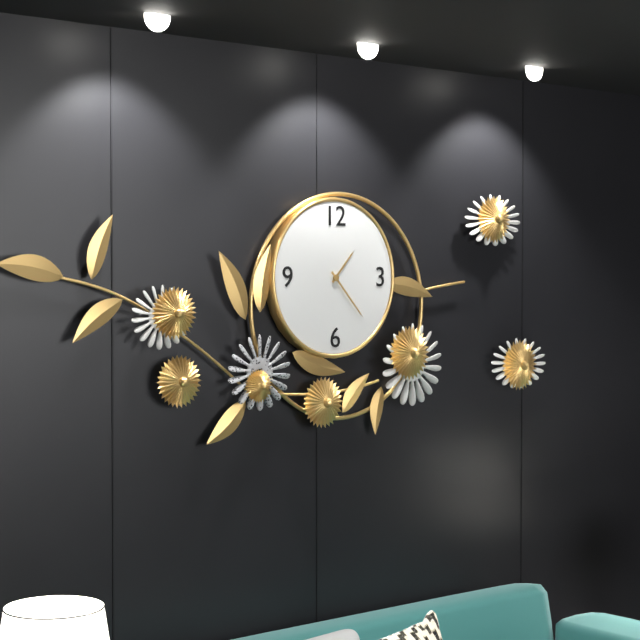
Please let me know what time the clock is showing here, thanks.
1:23
